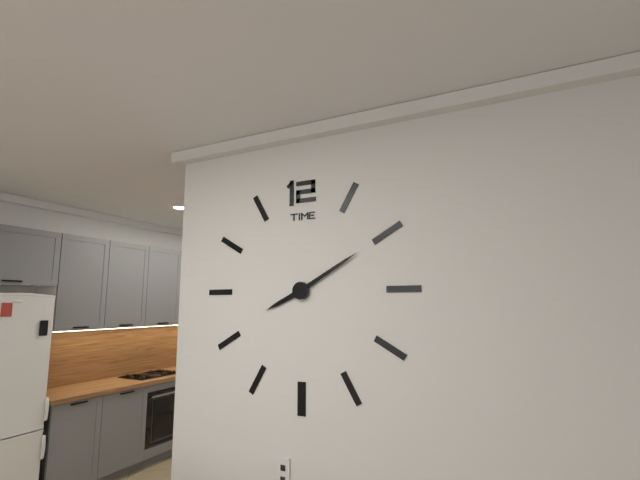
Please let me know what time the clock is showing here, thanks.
8:10
